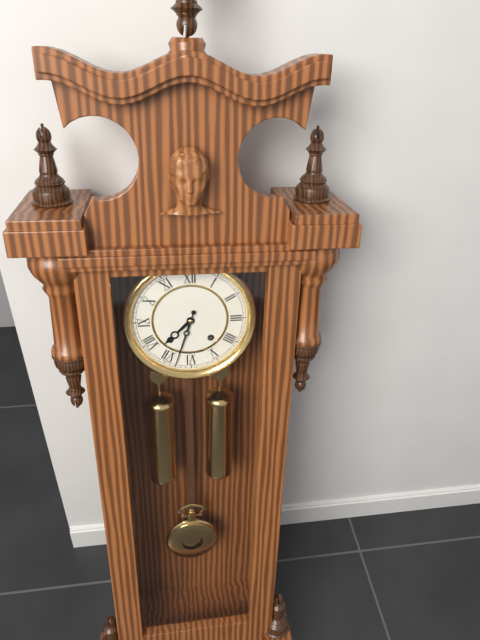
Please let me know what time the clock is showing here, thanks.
7:33
